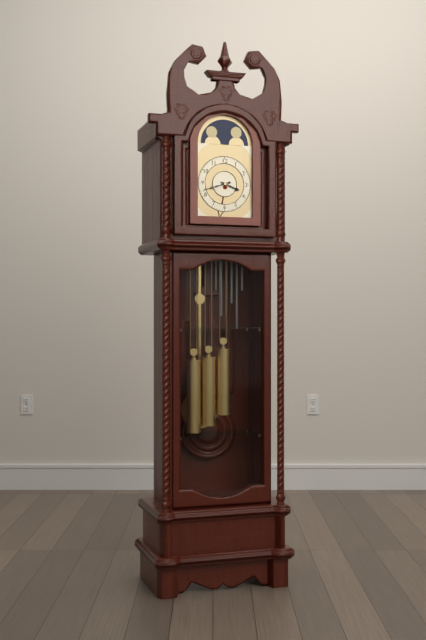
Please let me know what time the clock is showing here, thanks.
3:42
